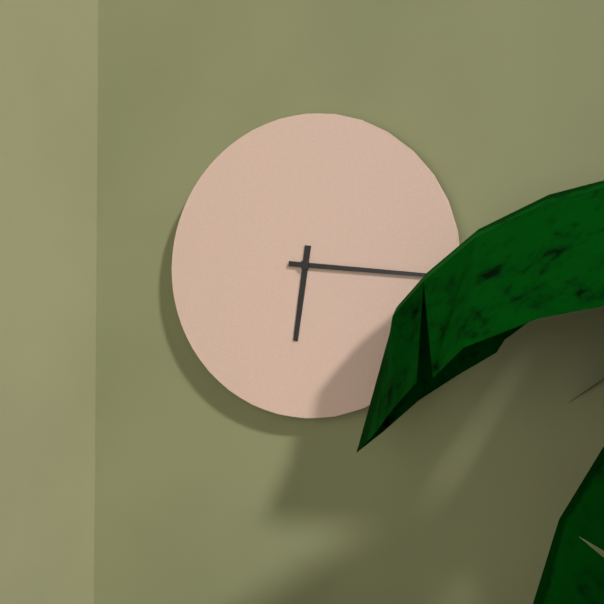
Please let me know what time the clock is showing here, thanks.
6:16
